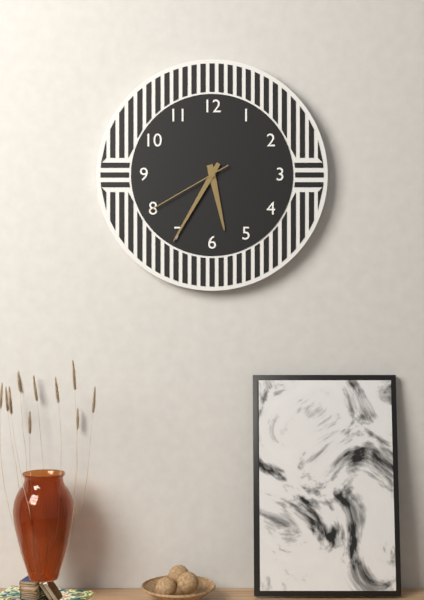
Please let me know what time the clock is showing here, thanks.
5:35:40
